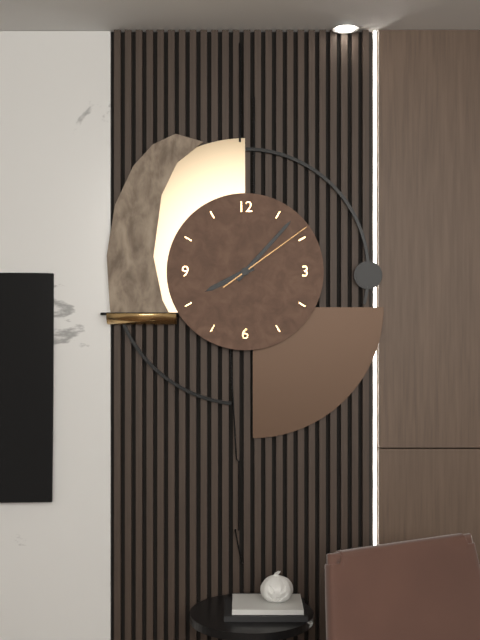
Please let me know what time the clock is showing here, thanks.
8:07:09
